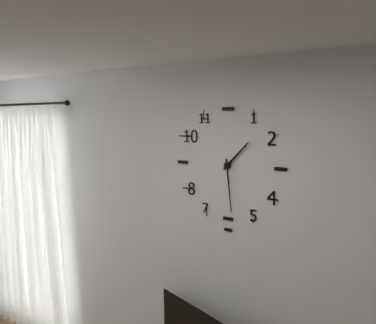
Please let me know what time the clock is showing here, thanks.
1:29
